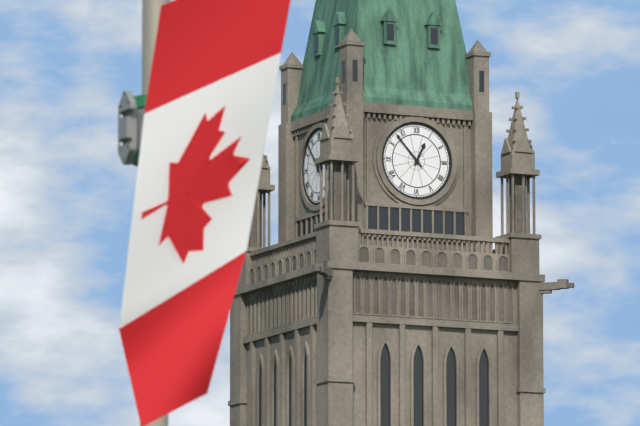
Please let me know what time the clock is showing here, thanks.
12:53
